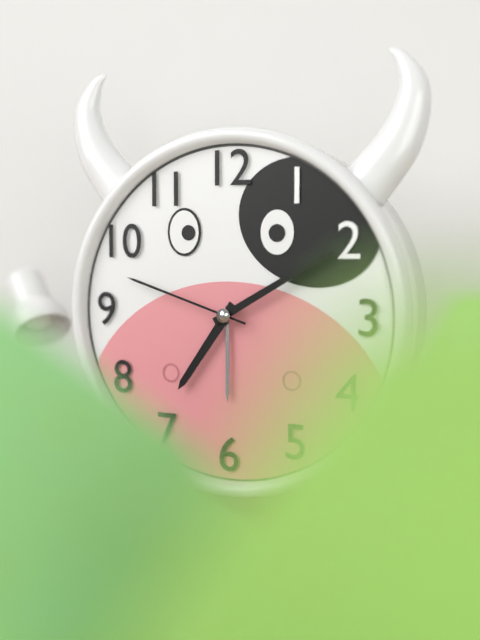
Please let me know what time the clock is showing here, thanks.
7:10:48
